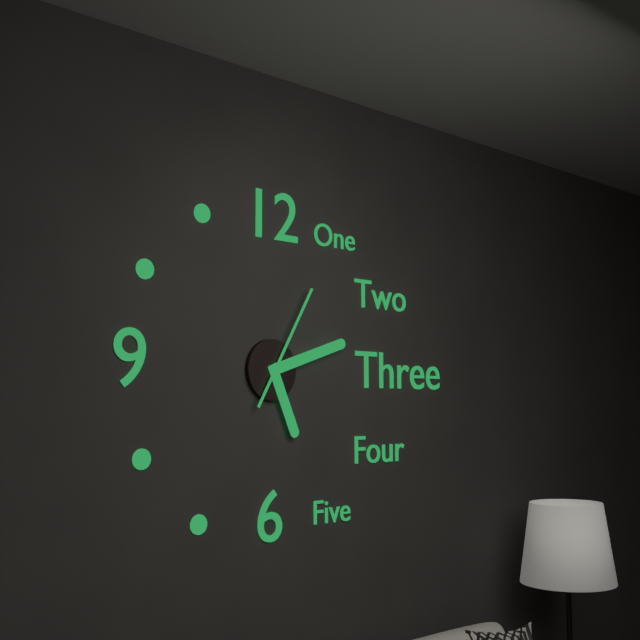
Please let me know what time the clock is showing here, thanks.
5:12:05
